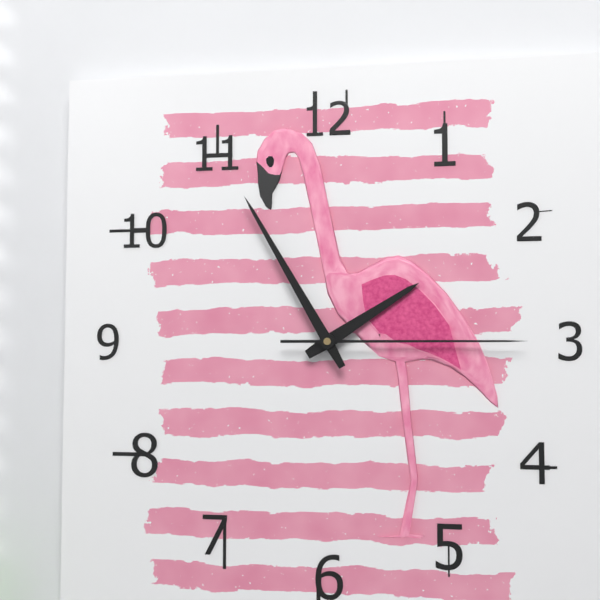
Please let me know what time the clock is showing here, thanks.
1:55:15
